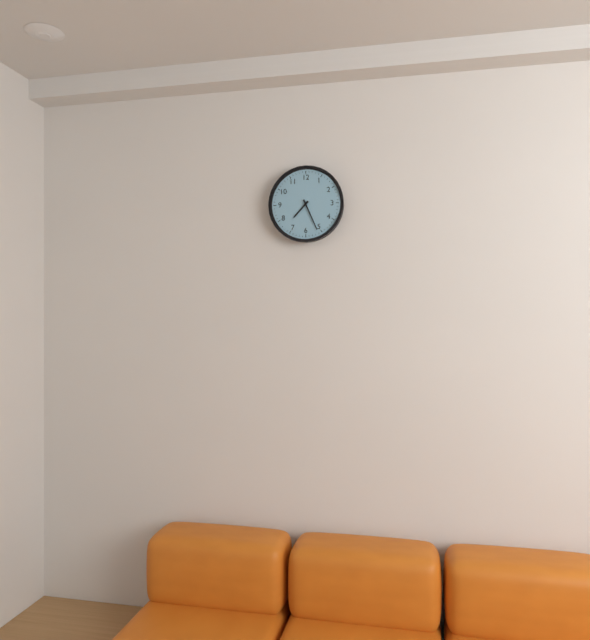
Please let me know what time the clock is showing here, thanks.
7:26
